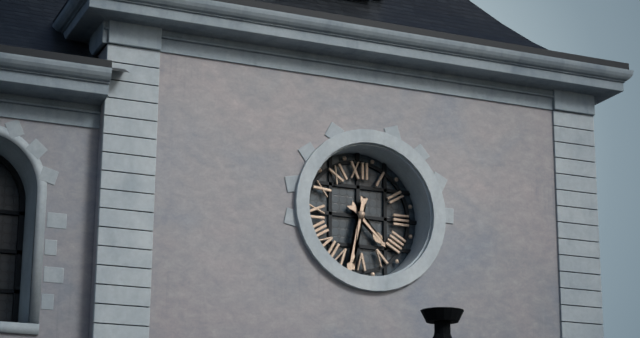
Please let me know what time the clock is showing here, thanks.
4:32
